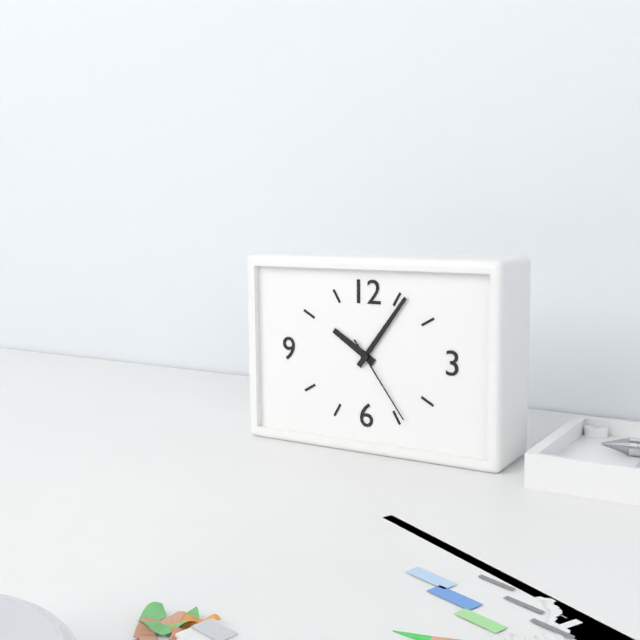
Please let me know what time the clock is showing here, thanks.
10:06:24
